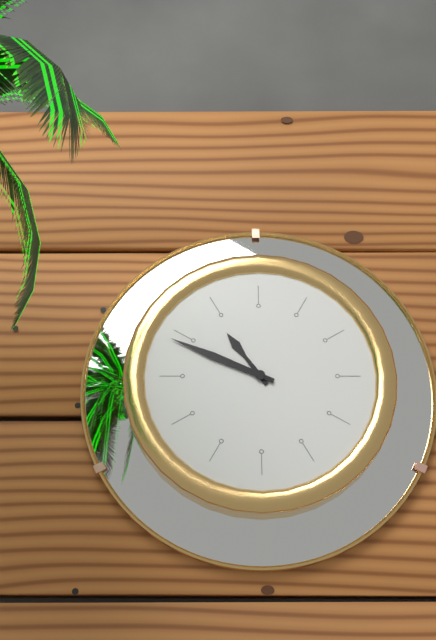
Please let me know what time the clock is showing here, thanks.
10:49
